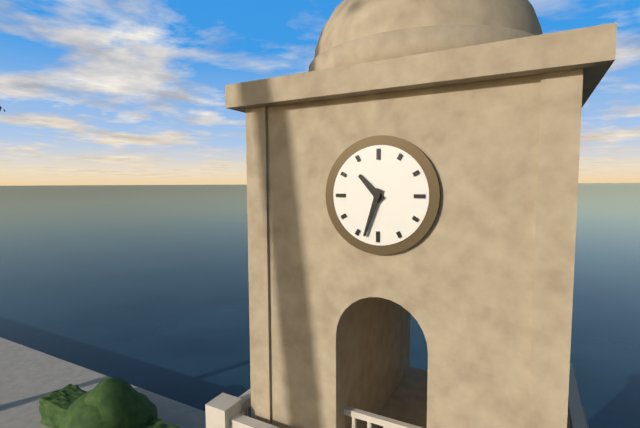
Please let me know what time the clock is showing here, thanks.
10:33
